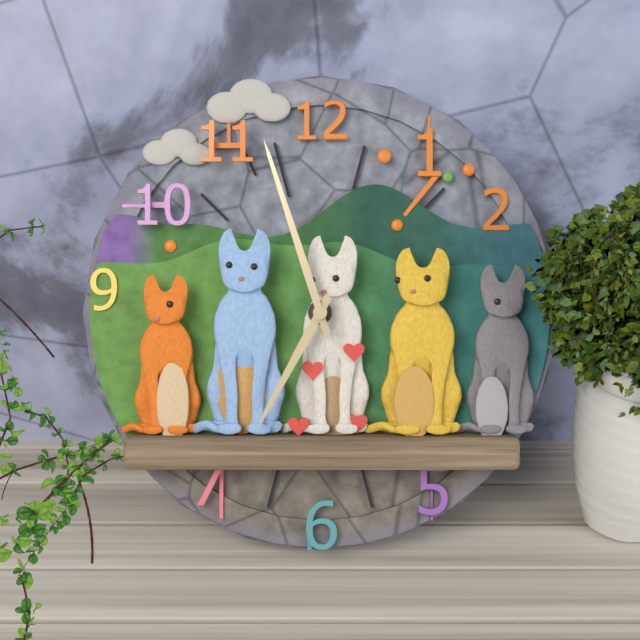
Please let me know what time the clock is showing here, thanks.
6:57
